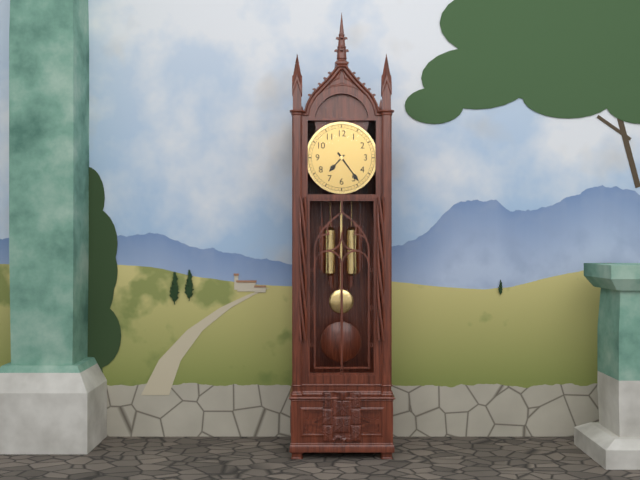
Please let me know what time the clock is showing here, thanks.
7:24
